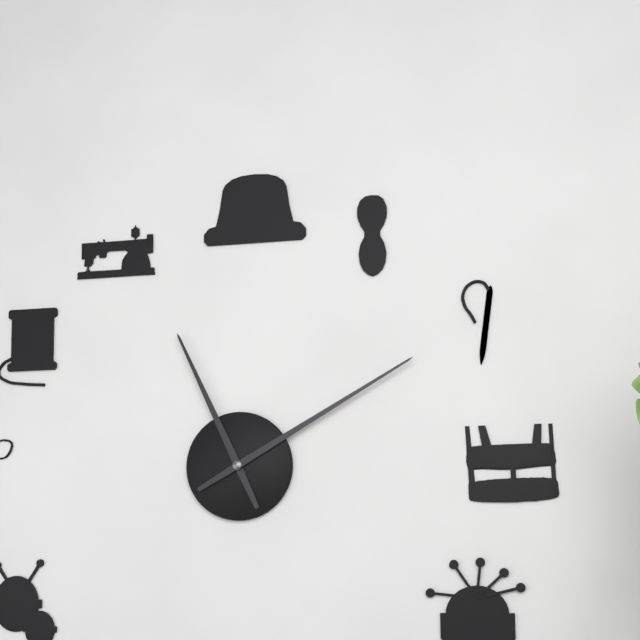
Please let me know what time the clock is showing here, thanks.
11:10
